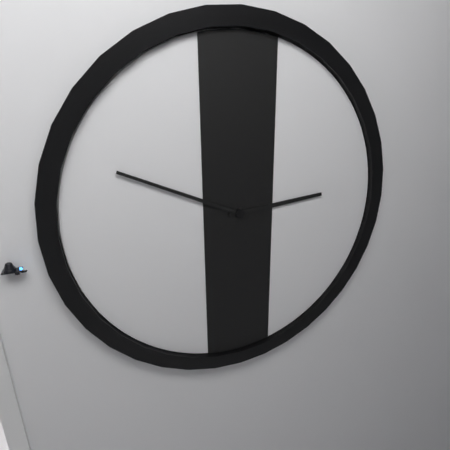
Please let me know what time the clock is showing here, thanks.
2:49
